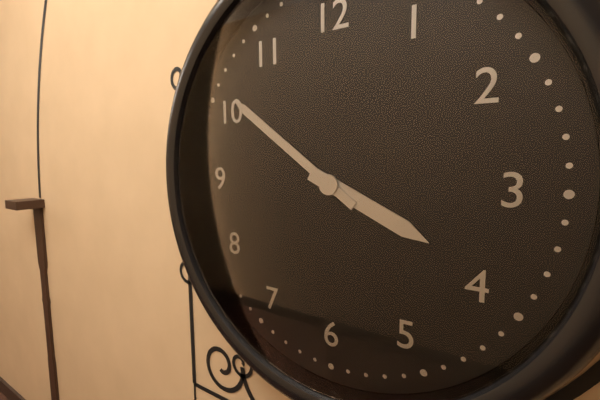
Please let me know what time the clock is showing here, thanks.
3:51
